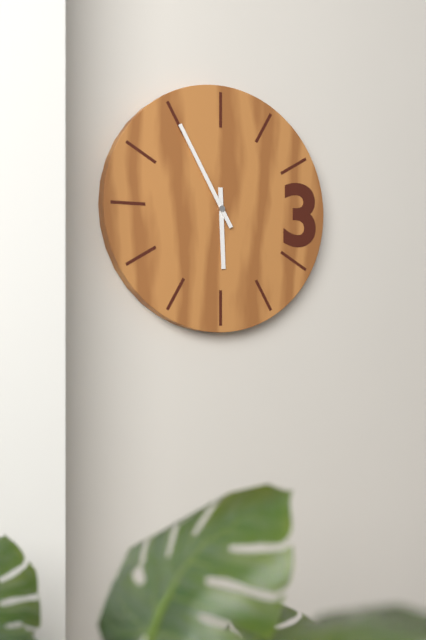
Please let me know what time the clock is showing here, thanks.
5:55
